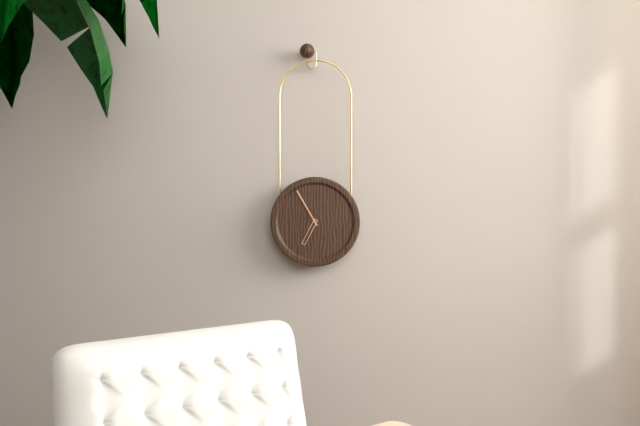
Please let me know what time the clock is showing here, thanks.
6:55
